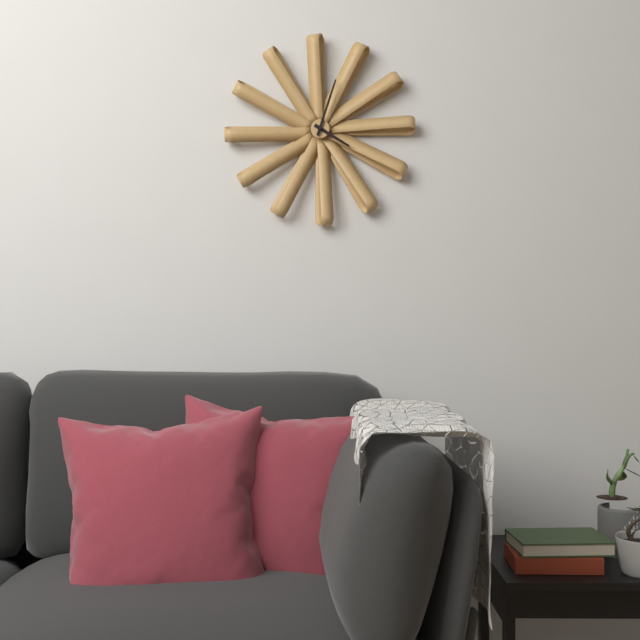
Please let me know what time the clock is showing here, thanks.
4:03
